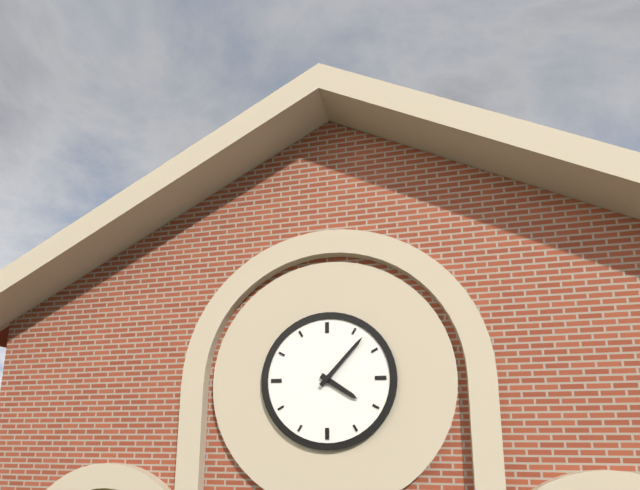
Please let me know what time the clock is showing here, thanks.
4:07
